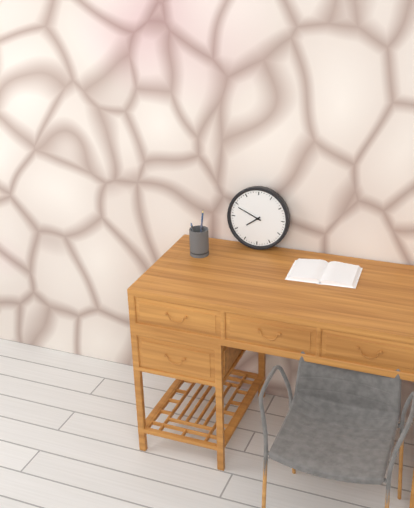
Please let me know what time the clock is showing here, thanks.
7:49
